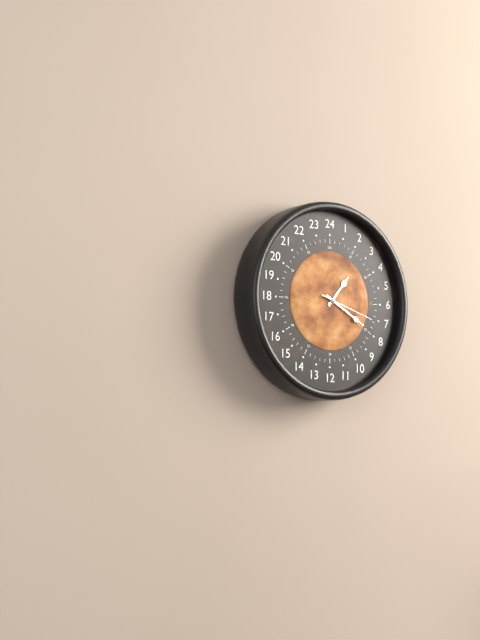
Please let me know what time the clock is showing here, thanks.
1:20:18
